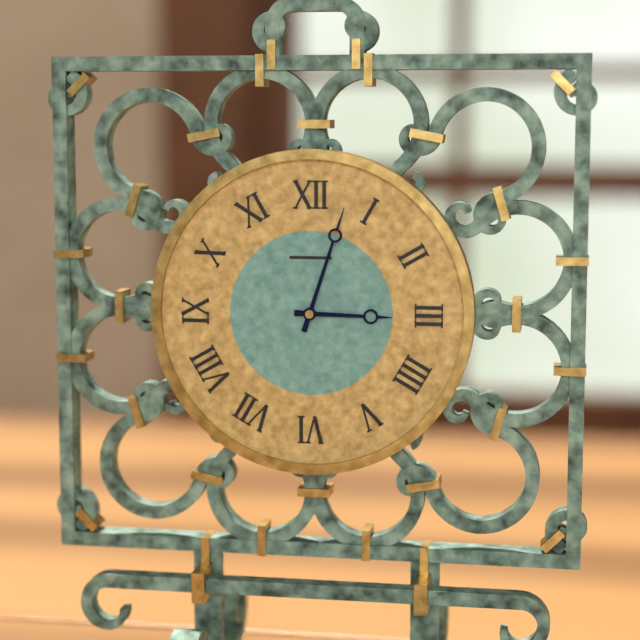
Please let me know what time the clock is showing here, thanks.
3:03
